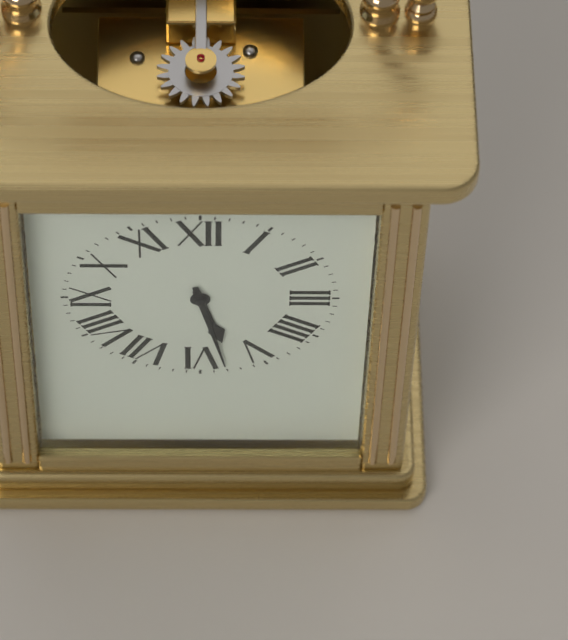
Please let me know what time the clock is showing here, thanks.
5:28
